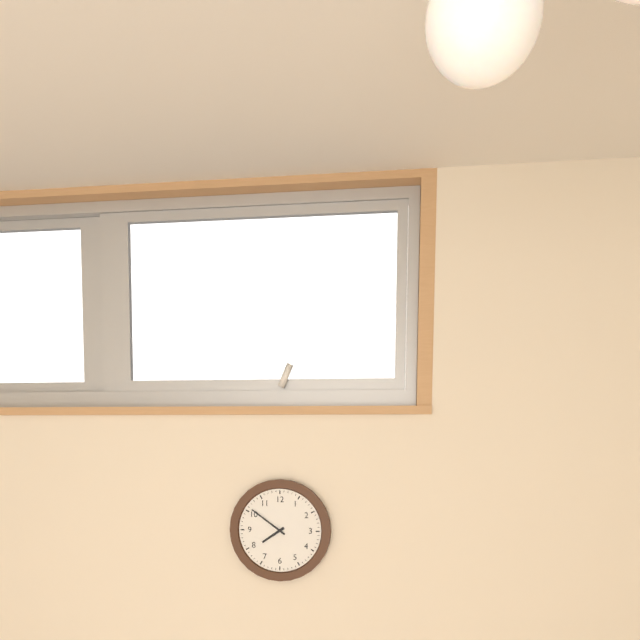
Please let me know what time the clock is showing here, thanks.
7:51
